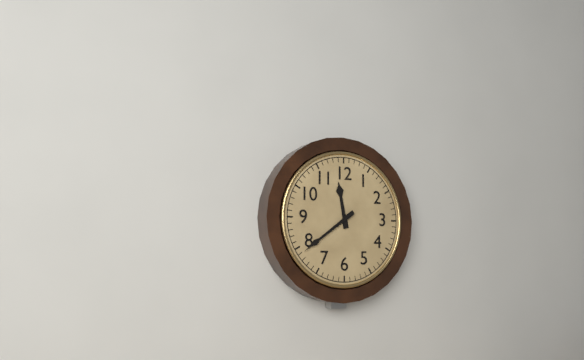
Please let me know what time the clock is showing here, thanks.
11:39
